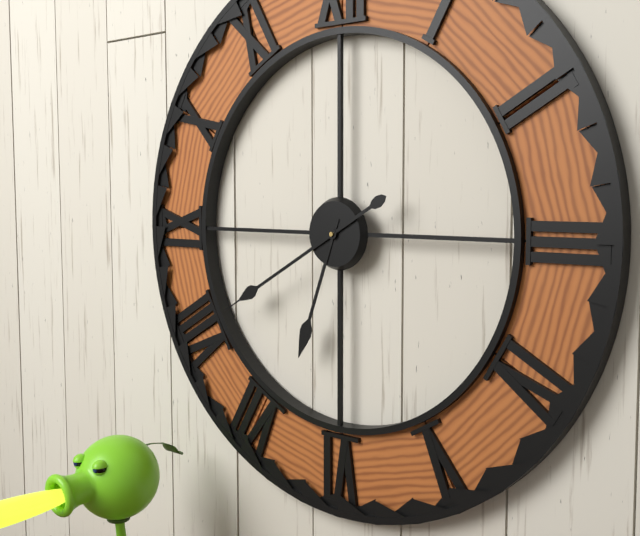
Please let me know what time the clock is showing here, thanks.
6:40
